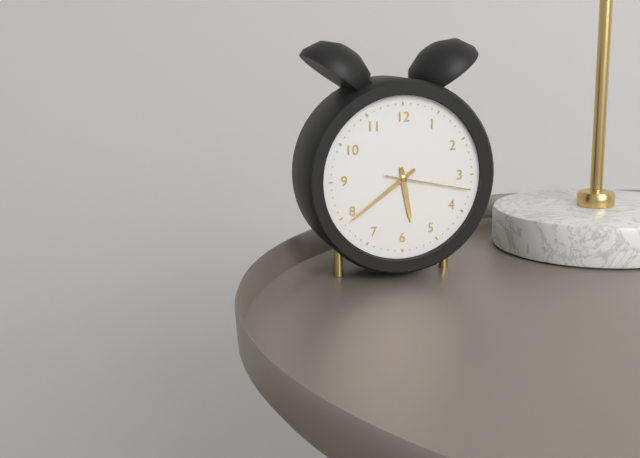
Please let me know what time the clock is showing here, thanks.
5:39:17
